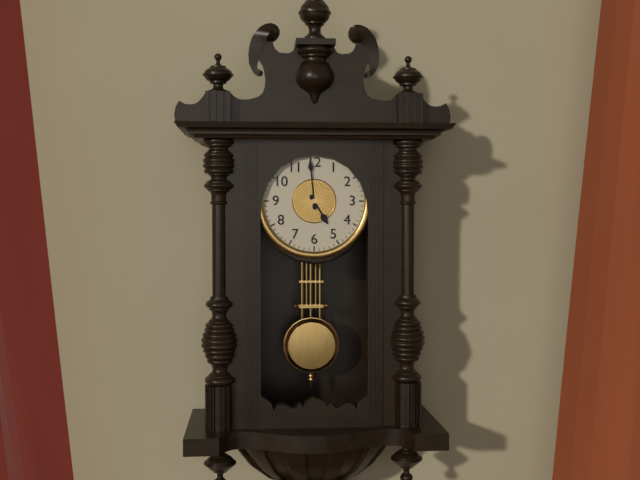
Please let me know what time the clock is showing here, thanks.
4:59
